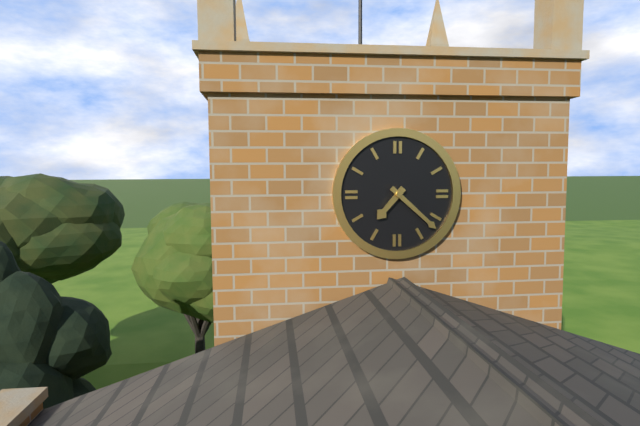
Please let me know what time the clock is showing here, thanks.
7:22
